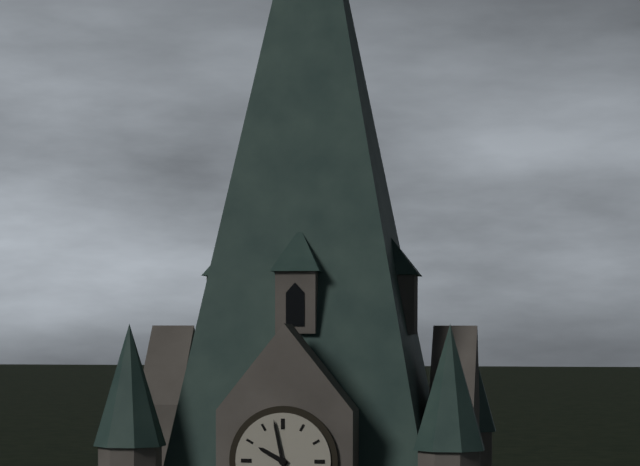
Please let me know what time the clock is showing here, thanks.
9:58
